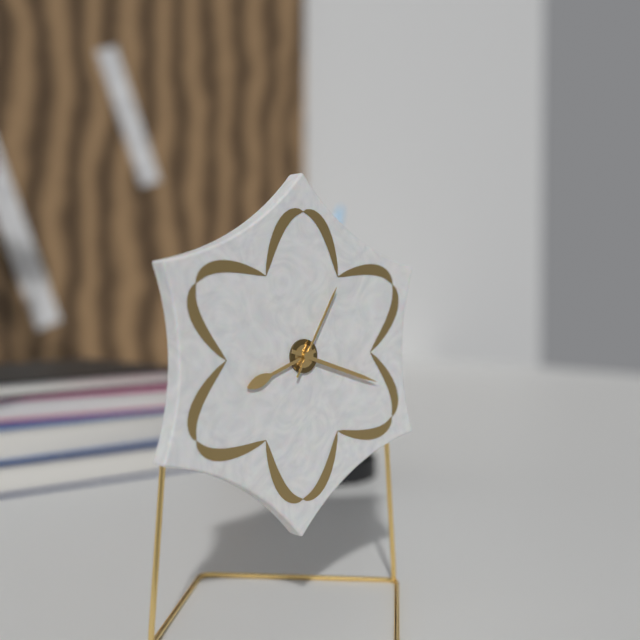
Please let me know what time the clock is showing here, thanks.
8:18:05
